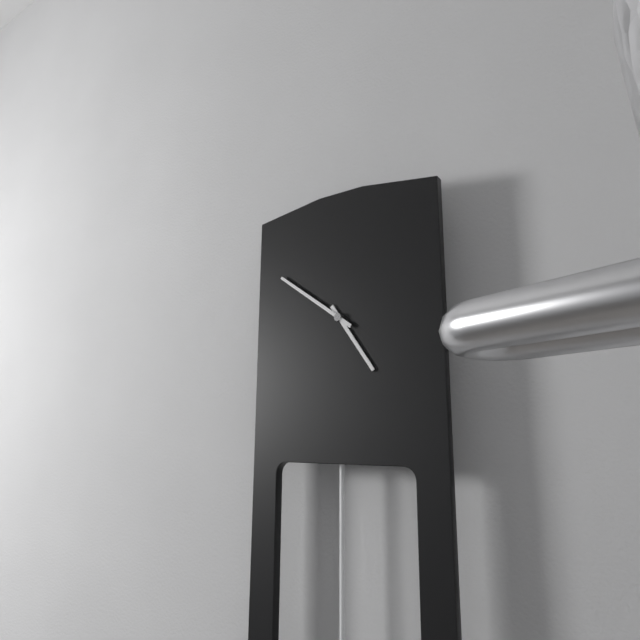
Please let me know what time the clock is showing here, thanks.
4:51
